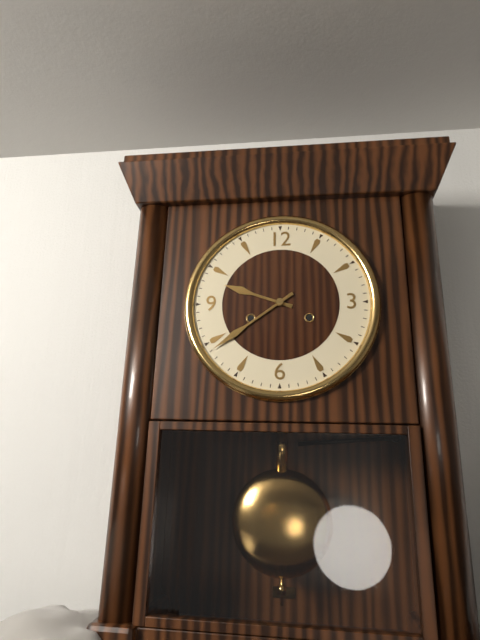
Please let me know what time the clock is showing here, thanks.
9:39
